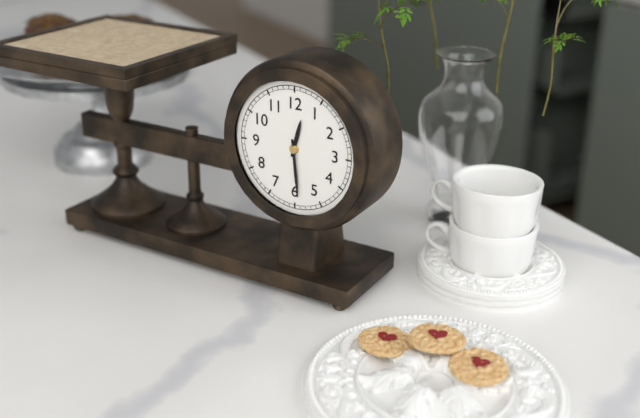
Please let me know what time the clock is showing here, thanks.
12:29
